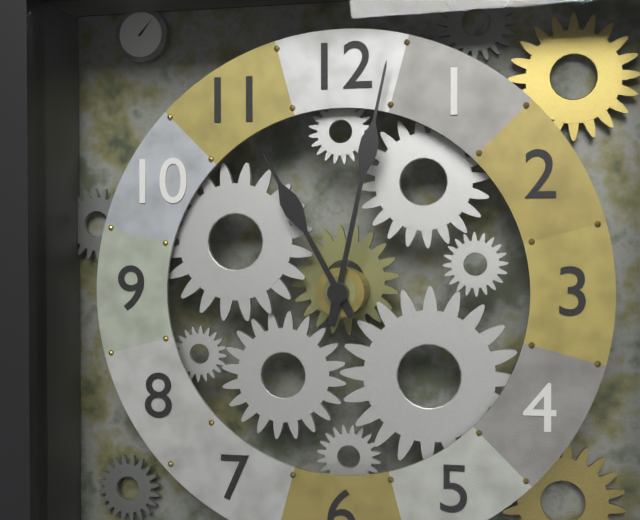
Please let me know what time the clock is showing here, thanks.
11:02
